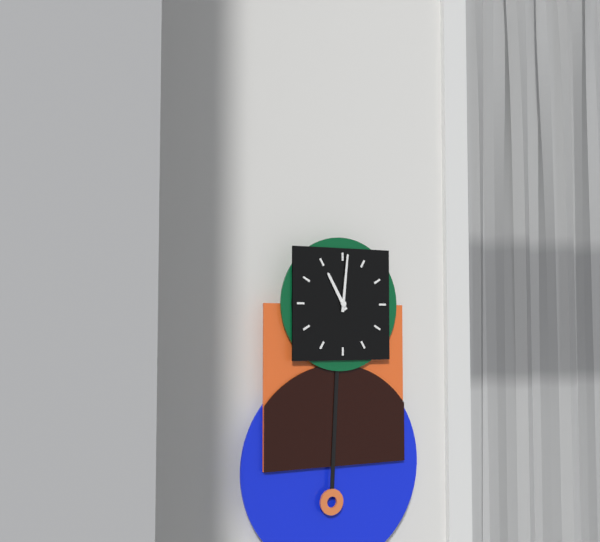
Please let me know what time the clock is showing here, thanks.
11:01
